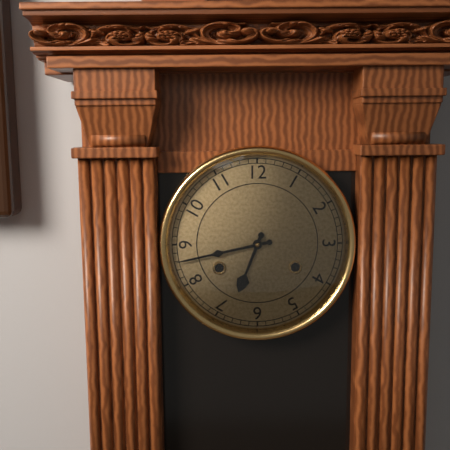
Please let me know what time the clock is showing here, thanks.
6:43
